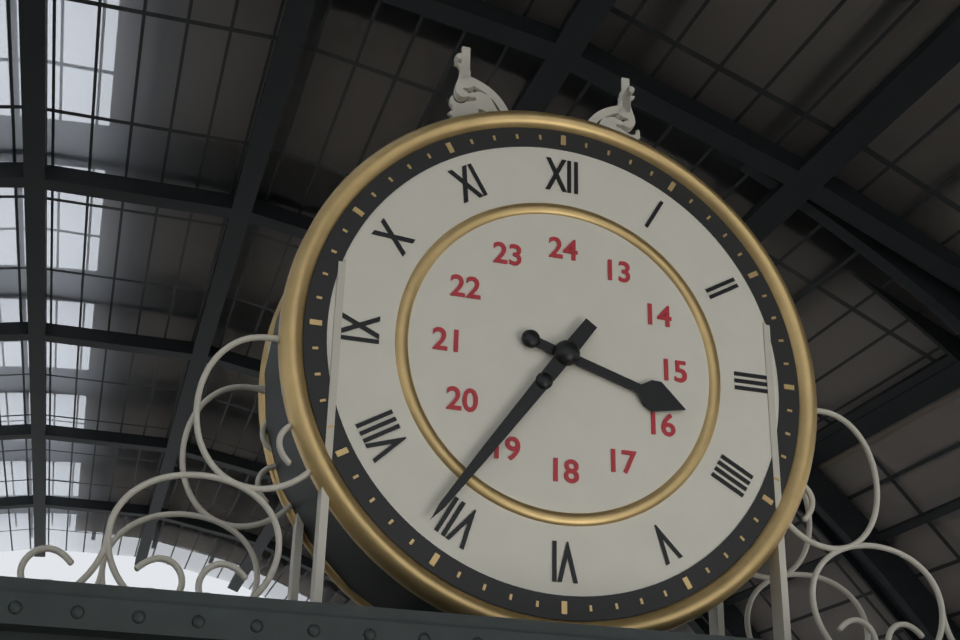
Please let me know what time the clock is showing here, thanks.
3:36
